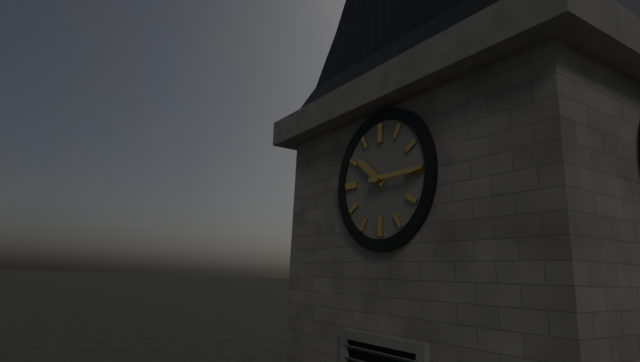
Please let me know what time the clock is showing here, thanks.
10:15
